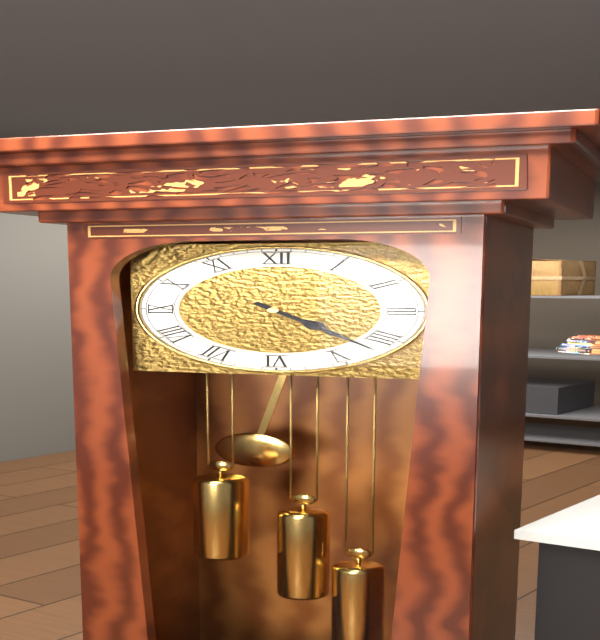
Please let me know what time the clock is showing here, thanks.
4:22
